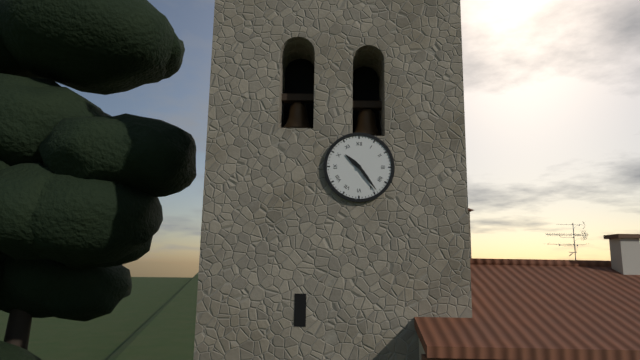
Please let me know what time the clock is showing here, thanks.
10:24
